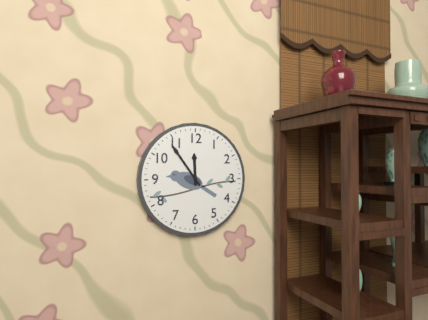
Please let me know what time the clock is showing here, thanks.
11:54
